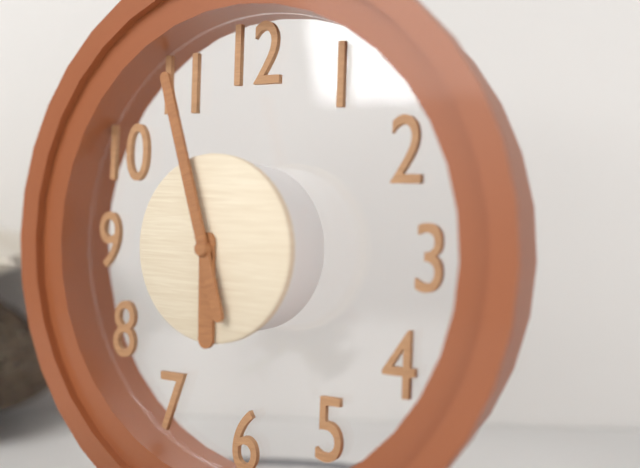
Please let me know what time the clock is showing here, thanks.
5:57
